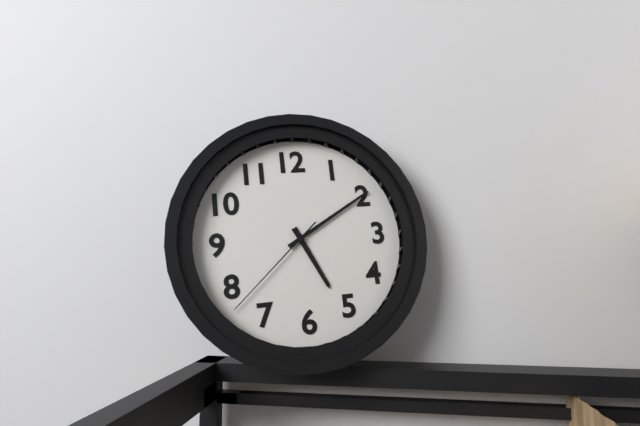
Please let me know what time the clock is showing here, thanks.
5:10:38
